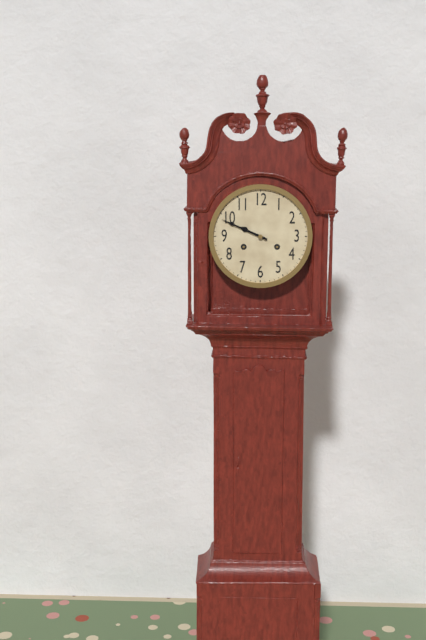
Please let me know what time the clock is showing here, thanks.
9:49
